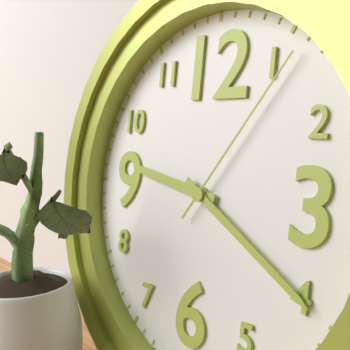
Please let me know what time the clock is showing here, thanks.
9:20:06
